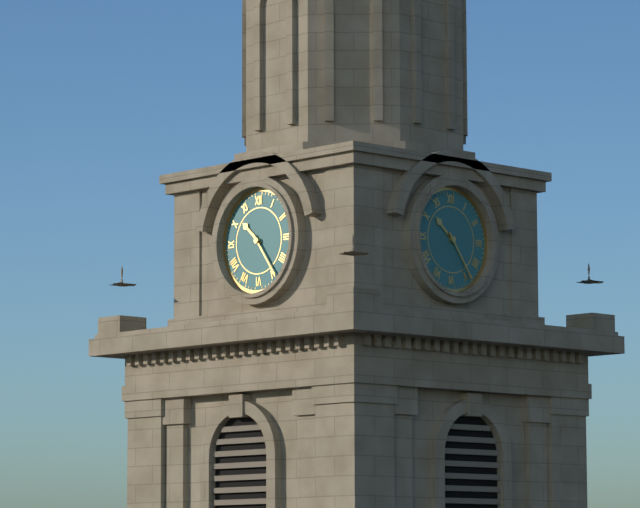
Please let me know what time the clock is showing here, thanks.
10:24
